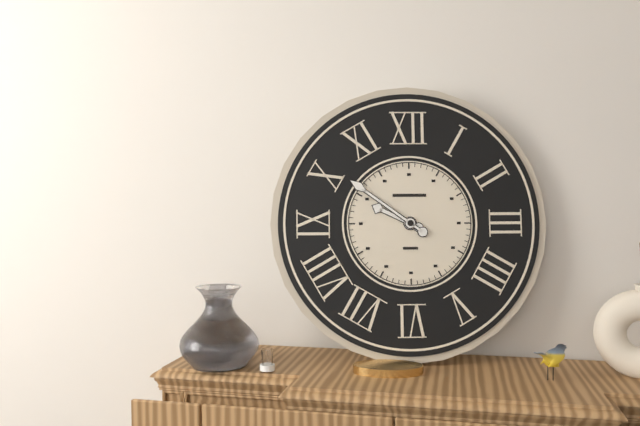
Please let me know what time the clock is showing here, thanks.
9:51
